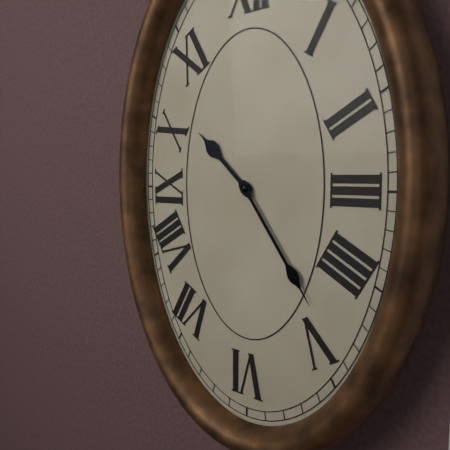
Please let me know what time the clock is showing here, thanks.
10:24
